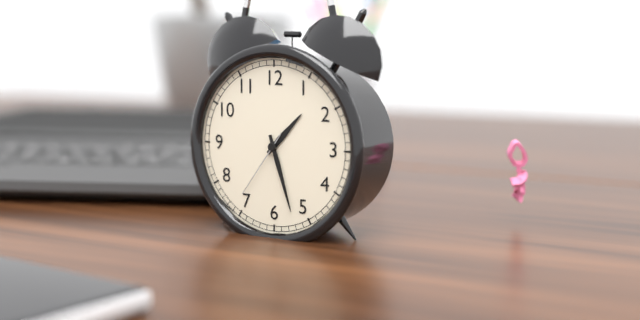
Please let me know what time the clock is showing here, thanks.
1:27:36
